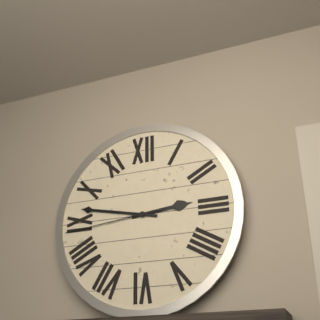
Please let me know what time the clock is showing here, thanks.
2:47:44
